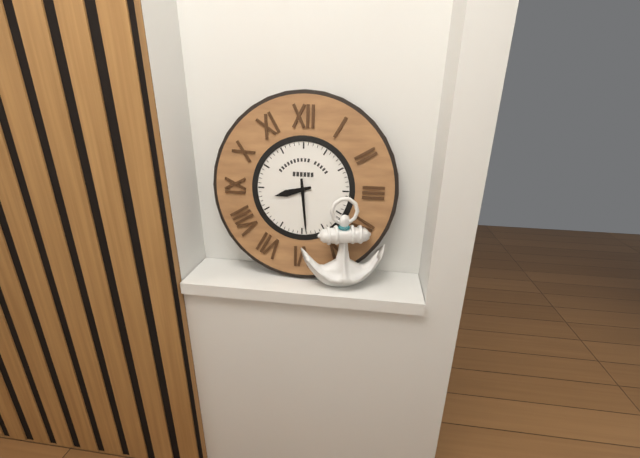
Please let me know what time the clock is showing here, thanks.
8:29
